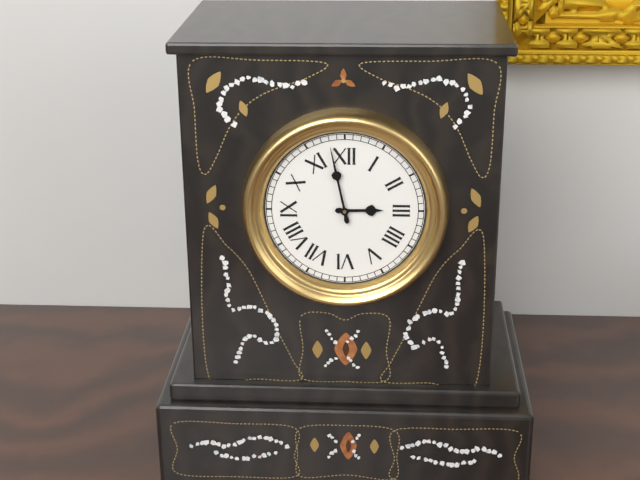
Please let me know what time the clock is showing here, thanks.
2:58
